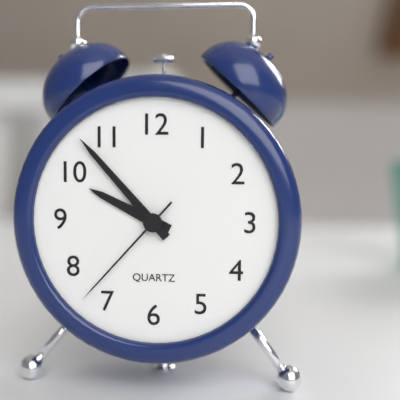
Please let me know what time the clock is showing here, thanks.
9:53:37
